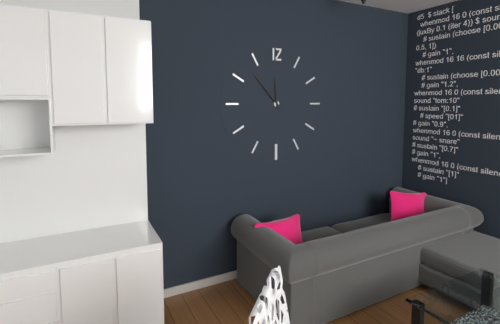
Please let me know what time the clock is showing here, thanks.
11:53
